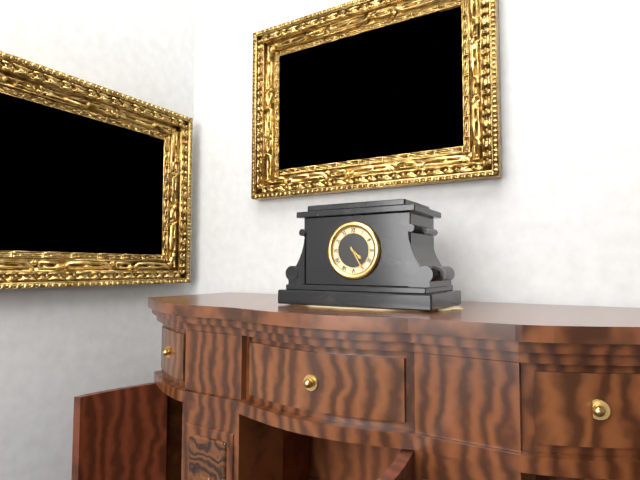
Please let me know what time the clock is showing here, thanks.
4:25
